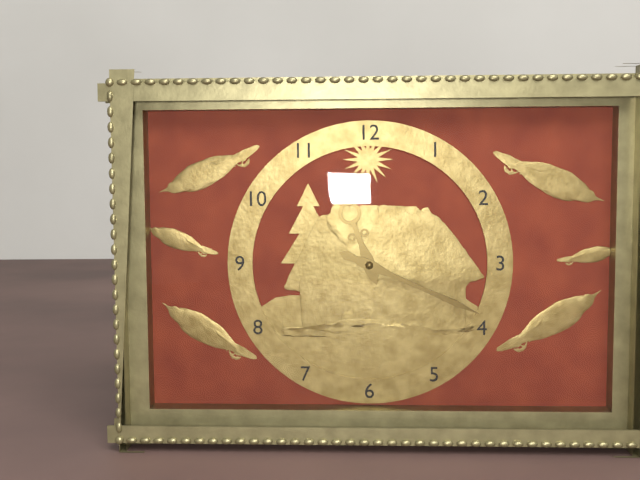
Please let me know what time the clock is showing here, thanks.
11:19
